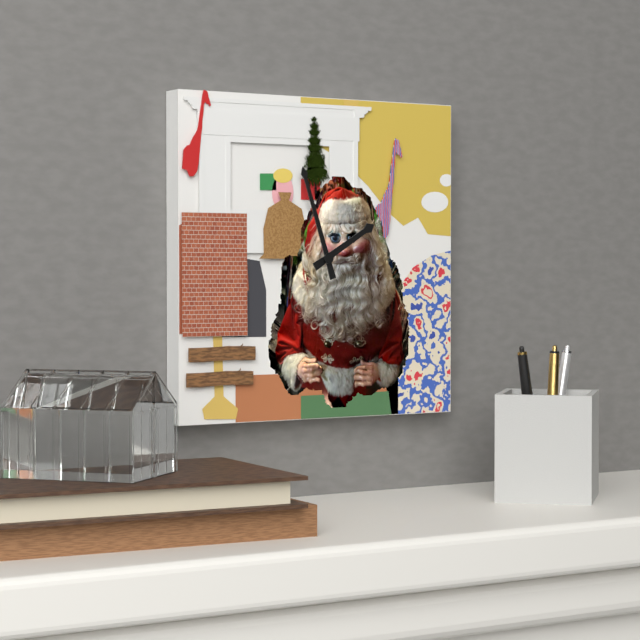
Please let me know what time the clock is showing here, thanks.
1:57
